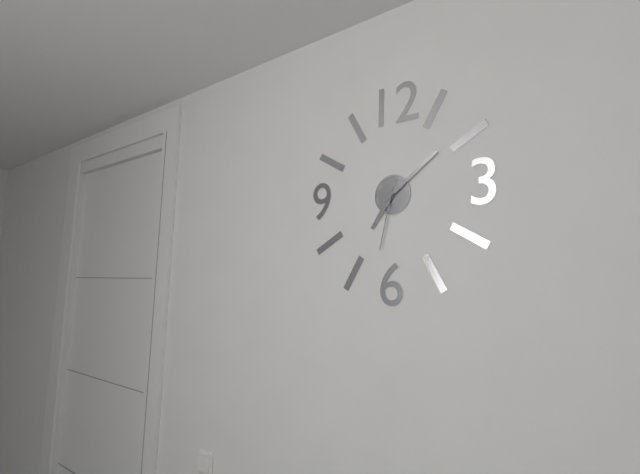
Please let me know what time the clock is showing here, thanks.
7:09:32
